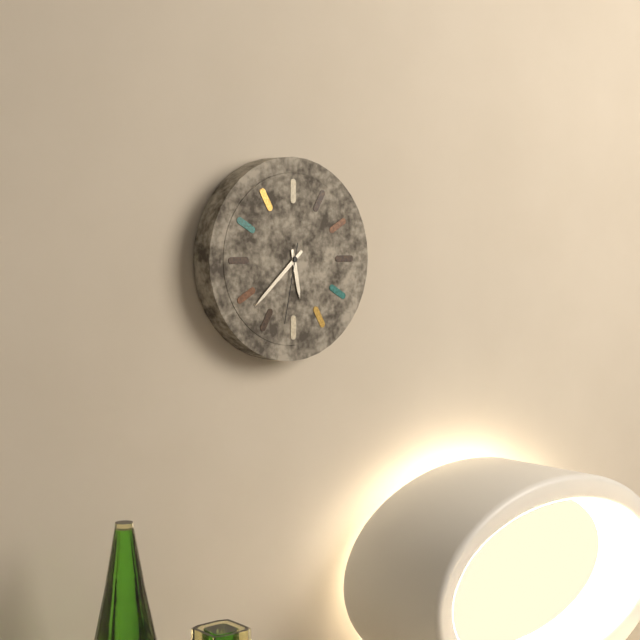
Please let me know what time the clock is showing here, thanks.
5:38:32
